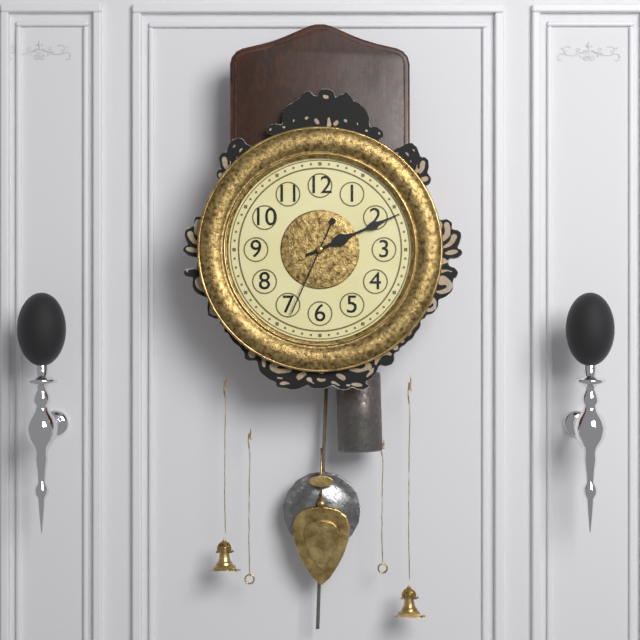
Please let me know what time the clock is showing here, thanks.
2:11:34
